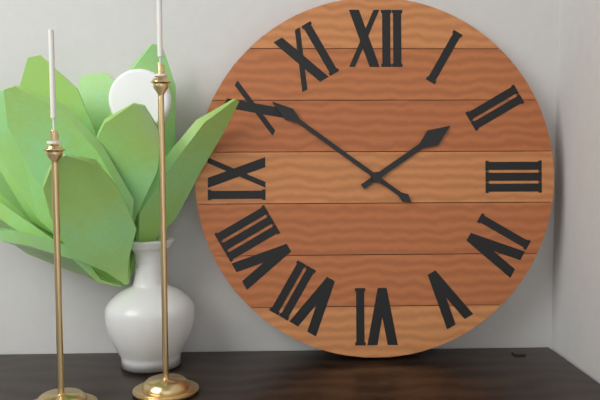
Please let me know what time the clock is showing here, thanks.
1:51
